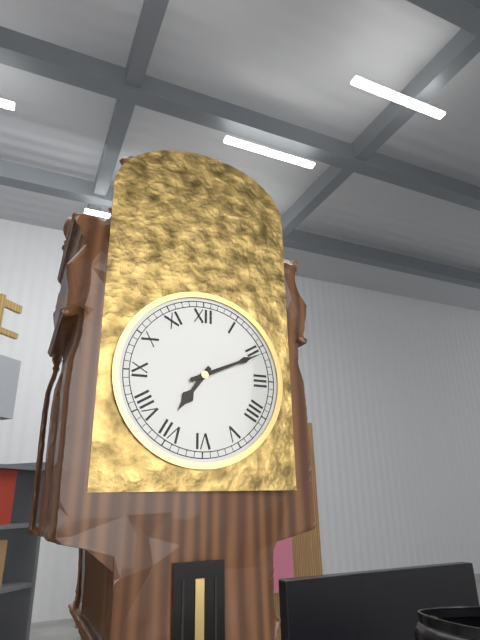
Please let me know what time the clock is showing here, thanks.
7:11
